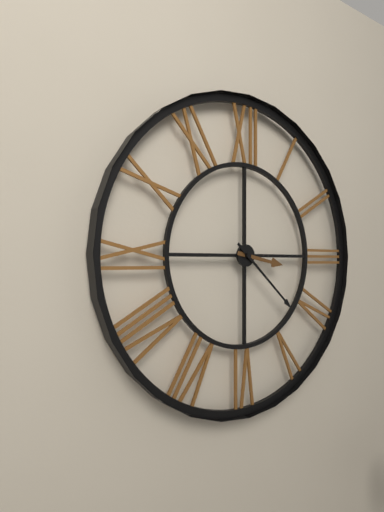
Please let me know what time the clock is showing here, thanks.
3:22
